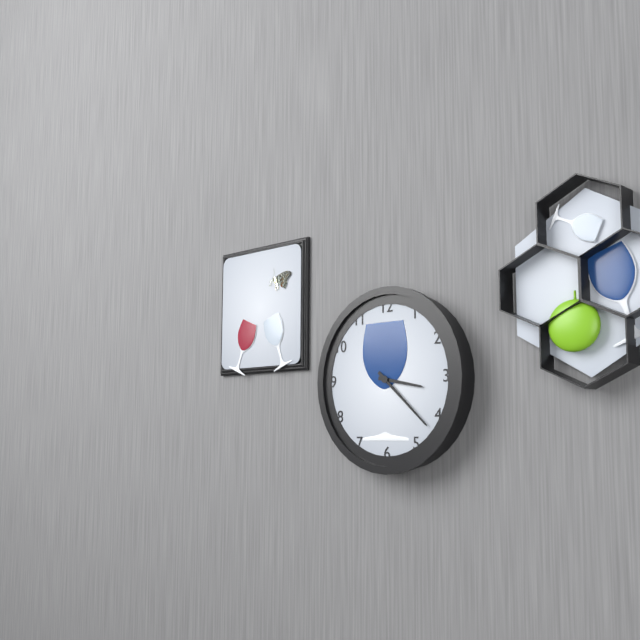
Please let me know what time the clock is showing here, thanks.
3:22
